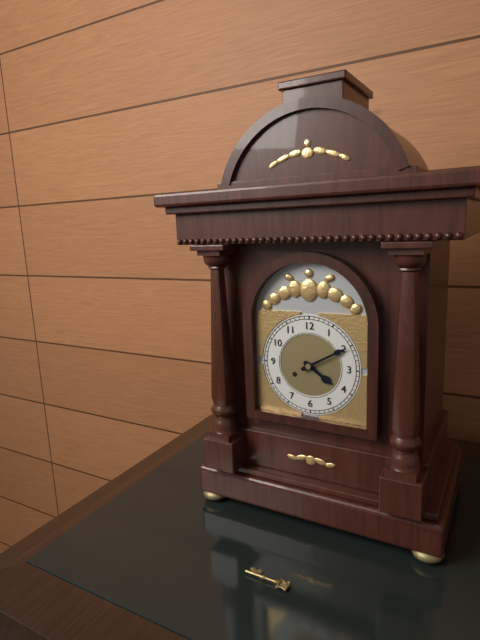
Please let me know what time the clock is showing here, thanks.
4:10
